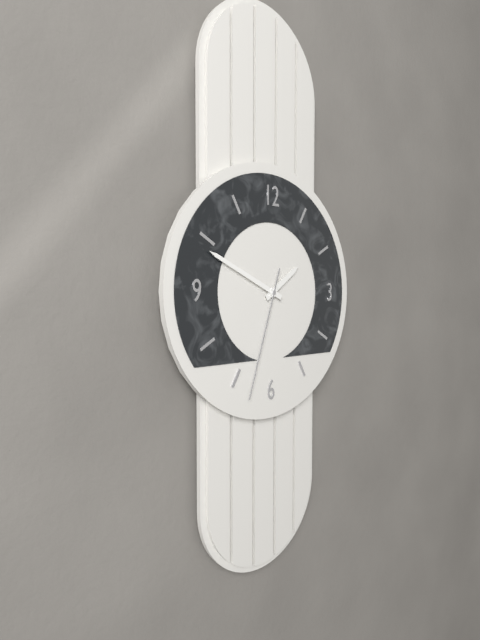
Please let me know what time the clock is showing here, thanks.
1:49:33
